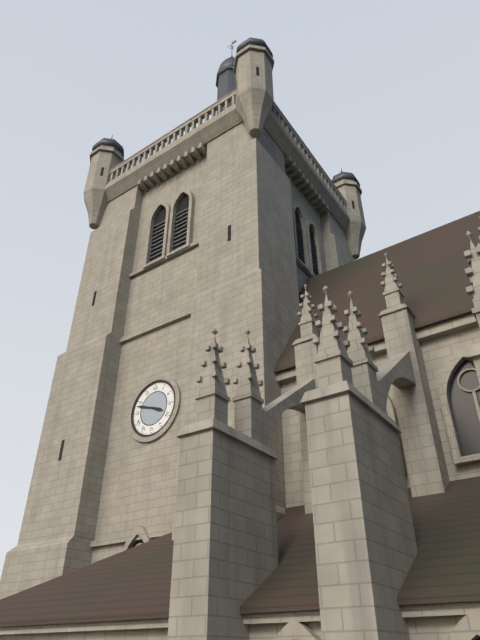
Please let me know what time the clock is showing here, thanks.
3:48
